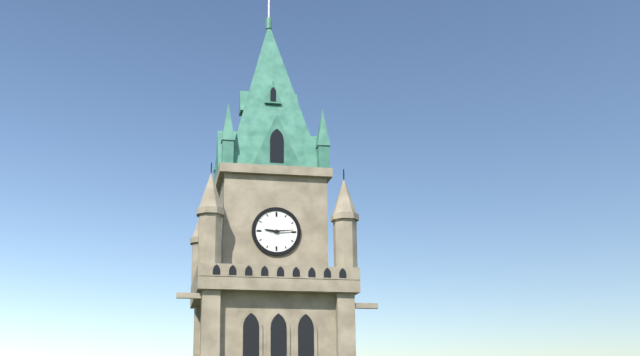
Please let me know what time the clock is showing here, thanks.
9:14
